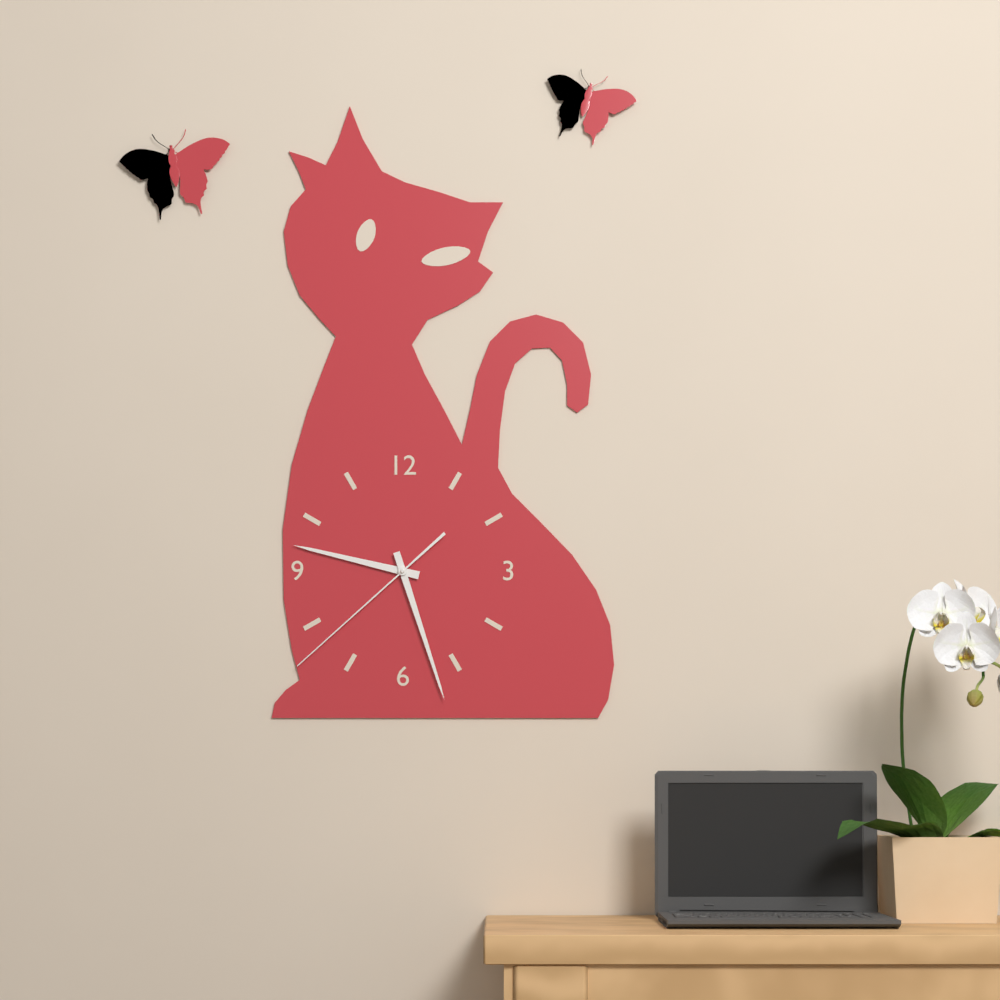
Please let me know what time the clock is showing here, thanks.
9:27:38
